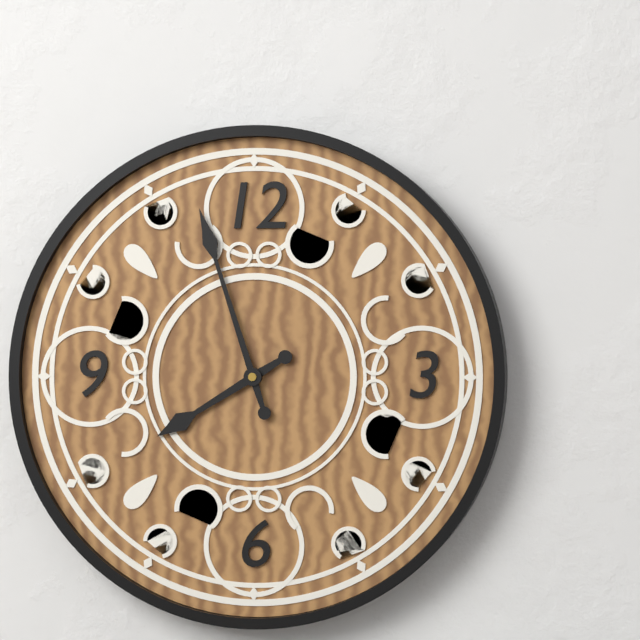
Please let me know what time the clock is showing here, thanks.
7:57
